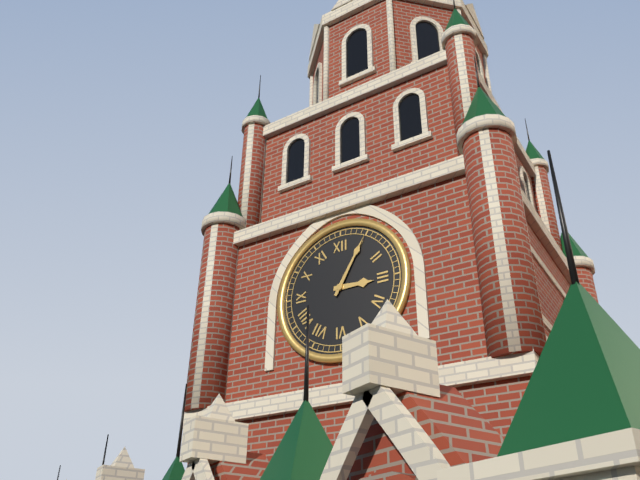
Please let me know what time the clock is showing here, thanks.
3:05
